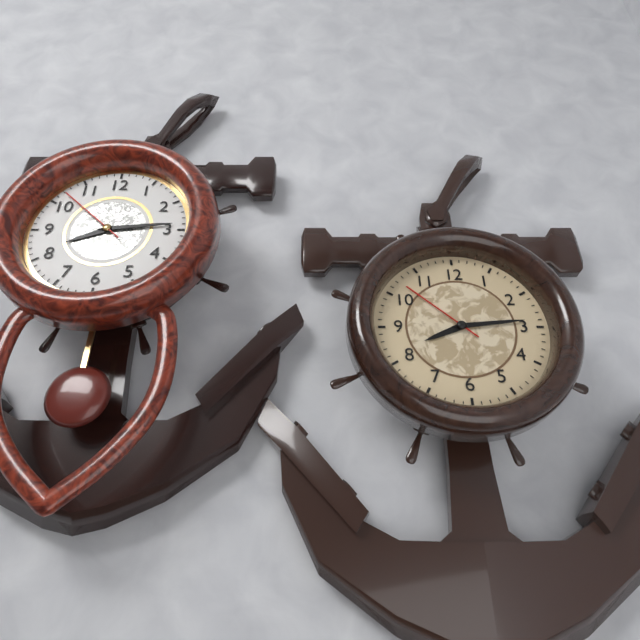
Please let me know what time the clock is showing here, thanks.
8:14:52
